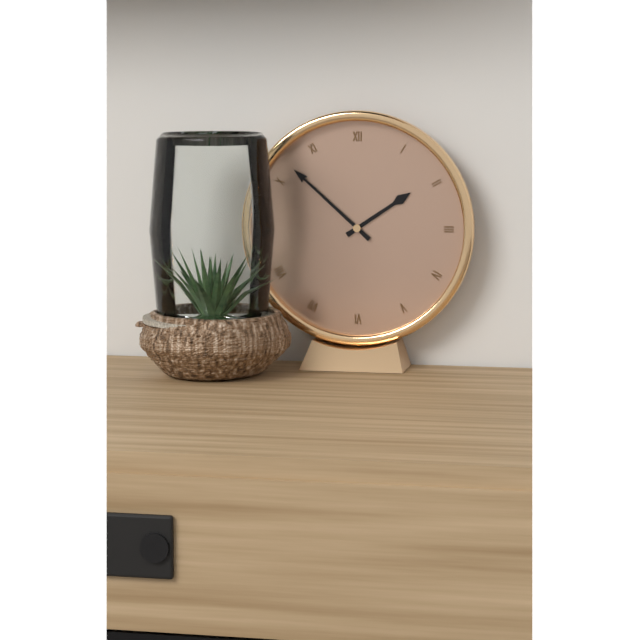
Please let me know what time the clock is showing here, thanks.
1:52
